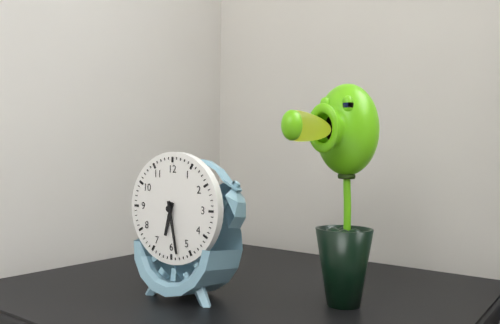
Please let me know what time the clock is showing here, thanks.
6:28
